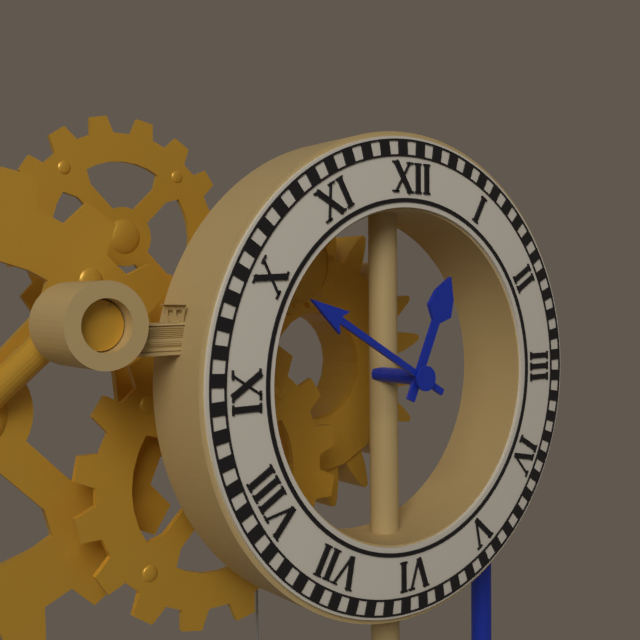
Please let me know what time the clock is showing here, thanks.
12:50
